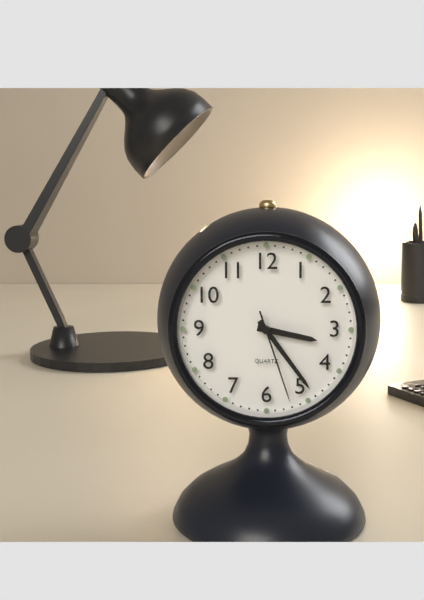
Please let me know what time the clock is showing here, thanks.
3:24:27
